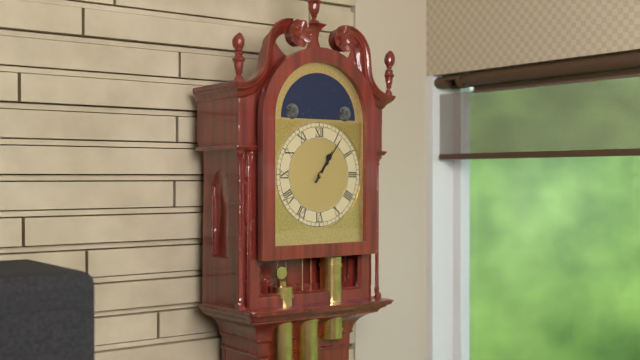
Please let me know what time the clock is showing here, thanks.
1:06
